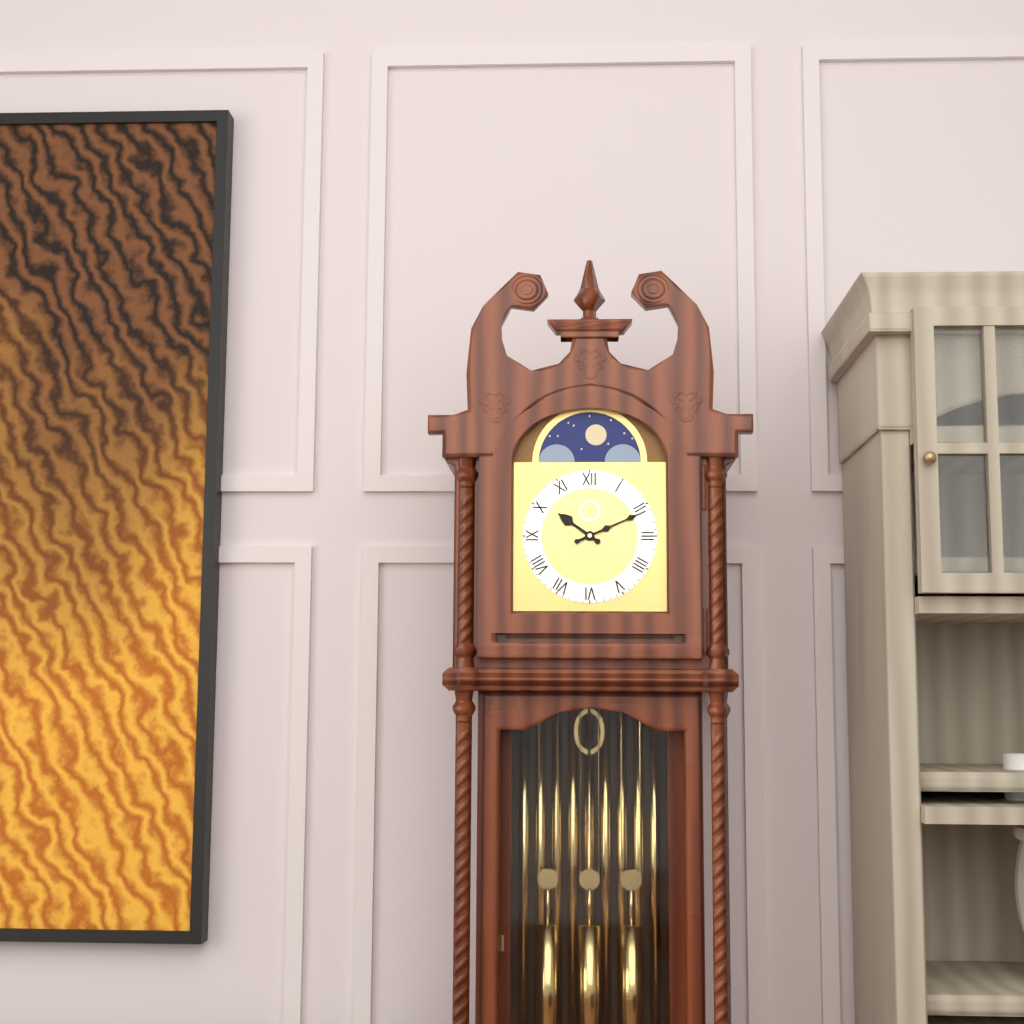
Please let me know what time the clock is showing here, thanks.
10:11
